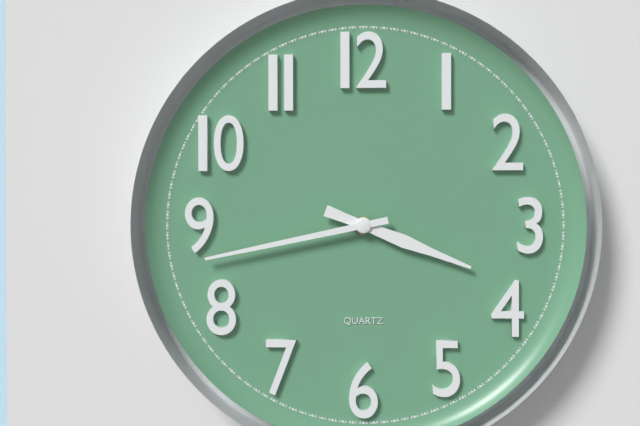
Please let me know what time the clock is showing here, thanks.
3:43
